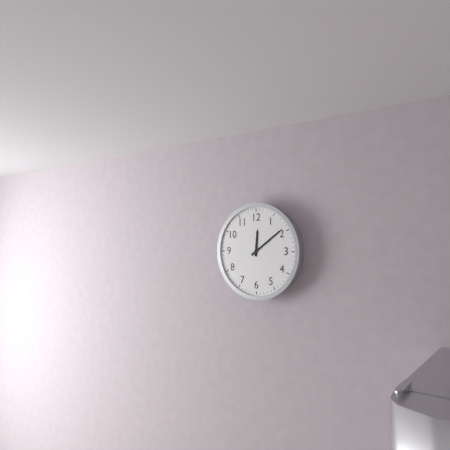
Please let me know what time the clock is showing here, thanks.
12:09
